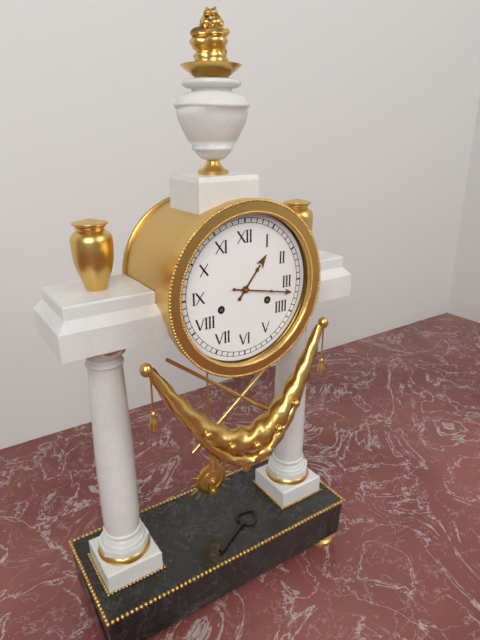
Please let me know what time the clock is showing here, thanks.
1:17
